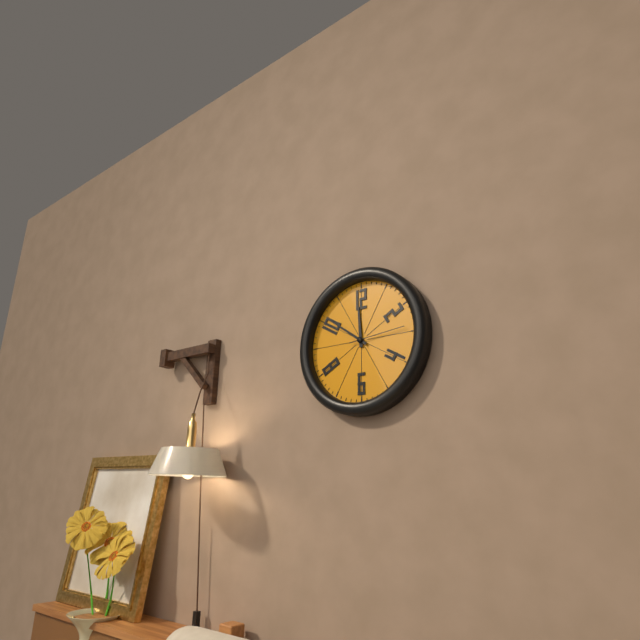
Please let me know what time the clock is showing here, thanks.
11:51:14
